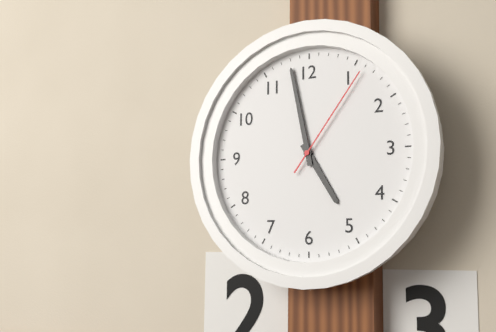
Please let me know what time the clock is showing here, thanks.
4:58:06
